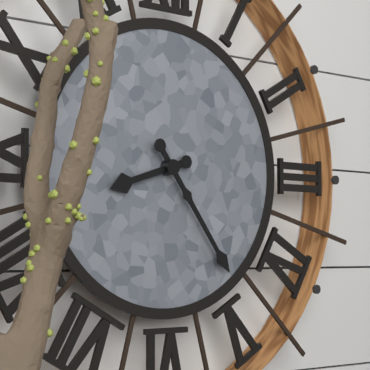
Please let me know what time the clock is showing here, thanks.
8:24
